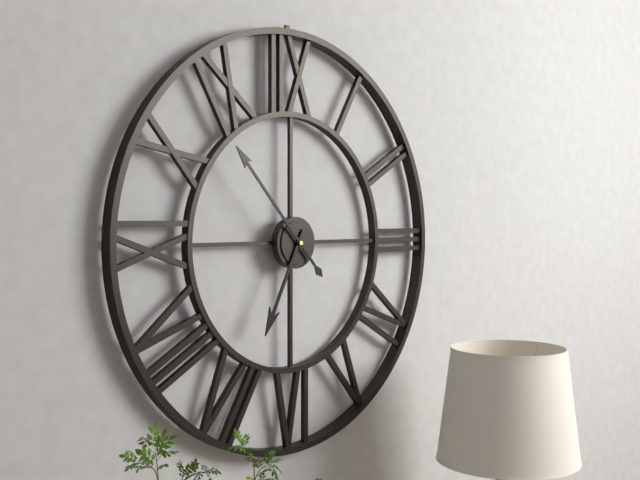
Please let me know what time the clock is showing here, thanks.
6:53
